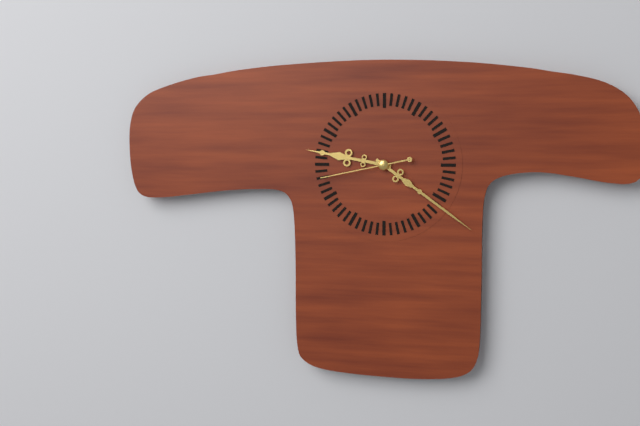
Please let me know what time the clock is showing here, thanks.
9:21:43
